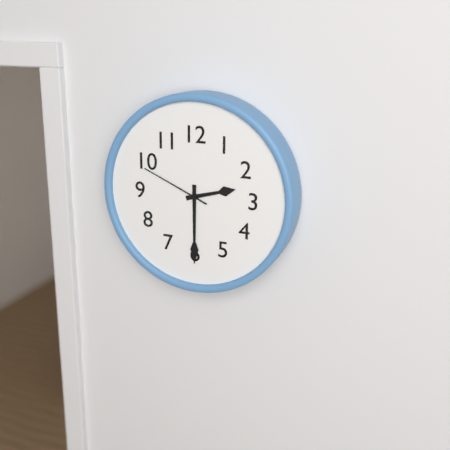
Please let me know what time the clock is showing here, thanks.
2:30:49
